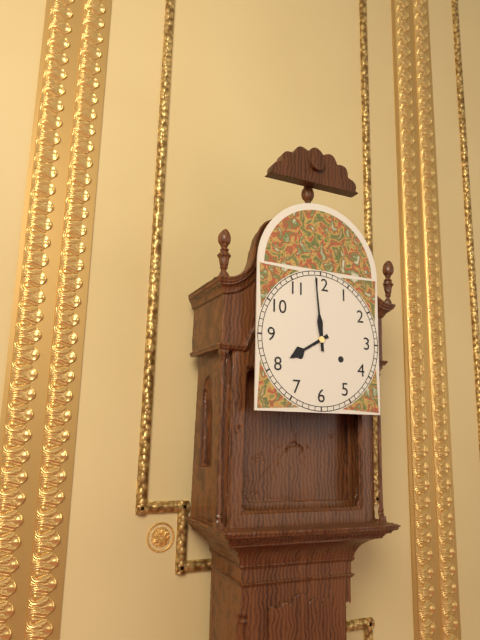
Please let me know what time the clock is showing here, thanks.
7:59
